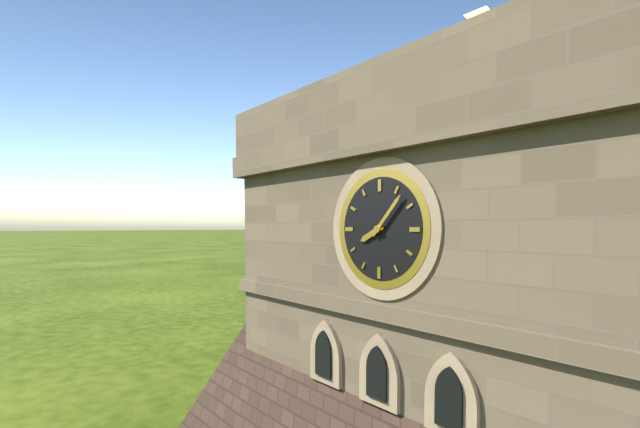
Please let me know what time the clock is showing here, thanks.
8:07
